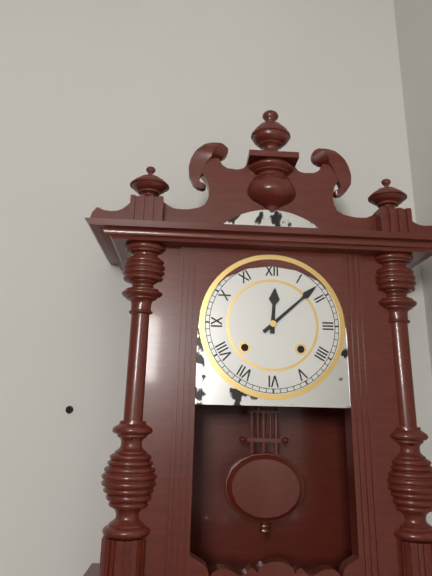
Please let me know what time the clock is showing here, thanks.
12:08
